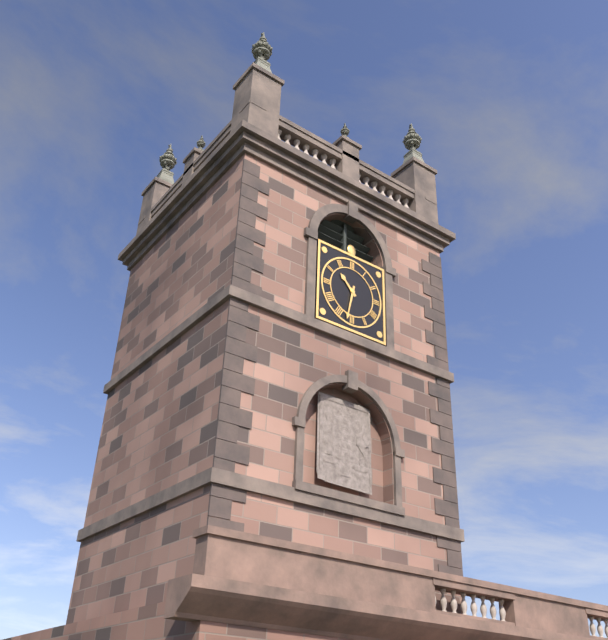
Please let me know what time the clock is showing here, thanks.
10:32
